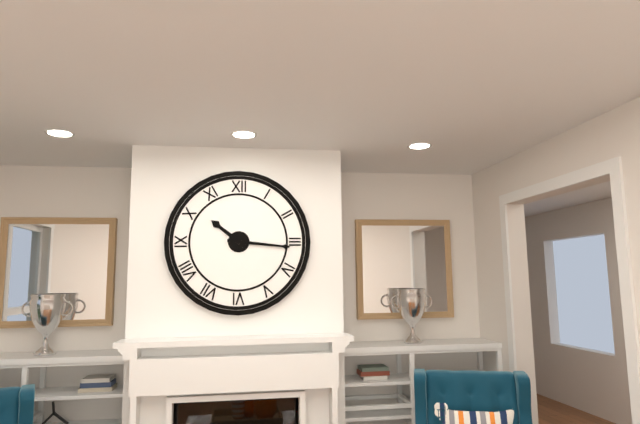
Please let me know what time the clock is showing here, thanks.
10:16
